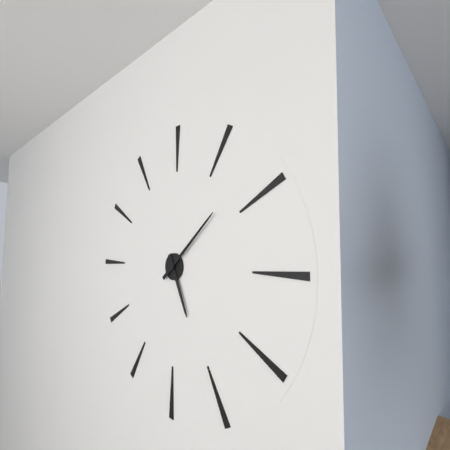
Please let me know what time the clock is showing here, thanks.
5:08
